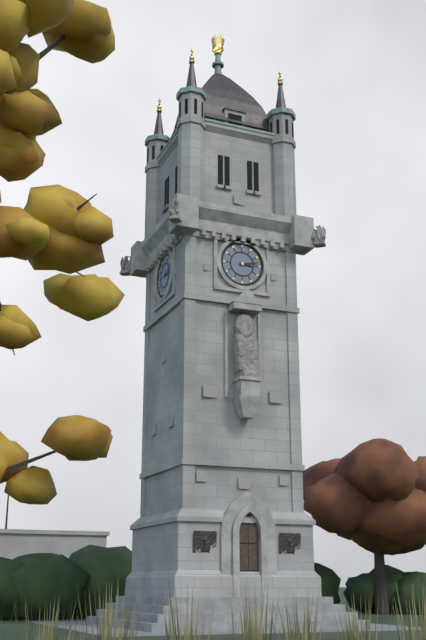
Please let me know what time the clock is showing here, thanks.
3:13
